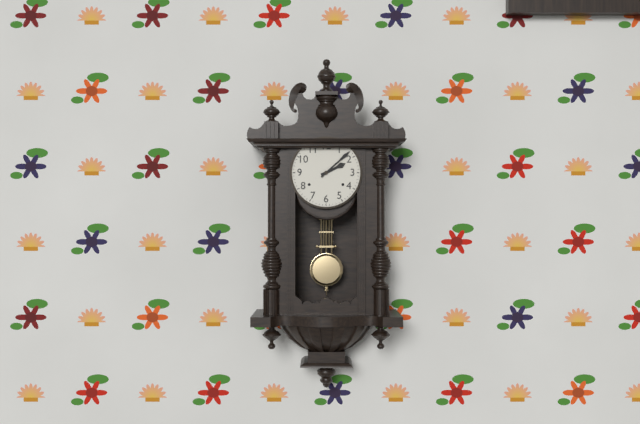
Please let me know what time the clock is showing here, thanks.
2:08
